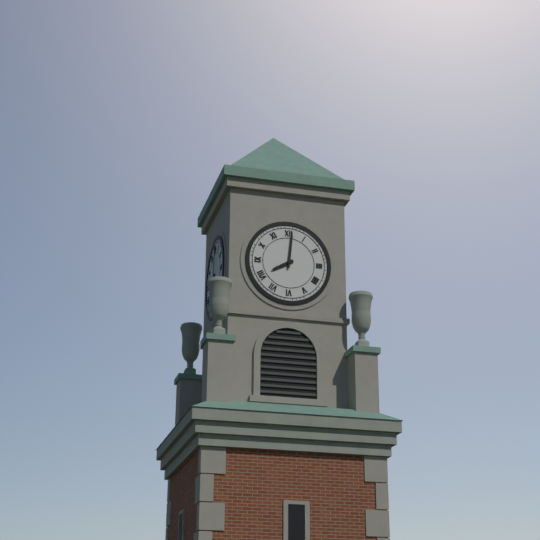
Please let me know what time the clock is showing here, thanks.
8:01
